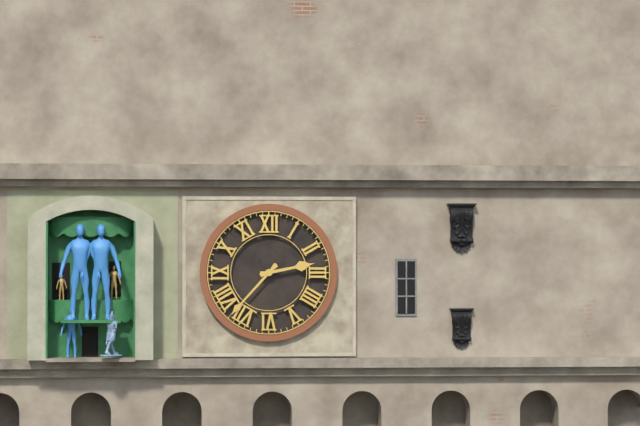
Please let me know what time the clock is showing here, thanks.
2:37
